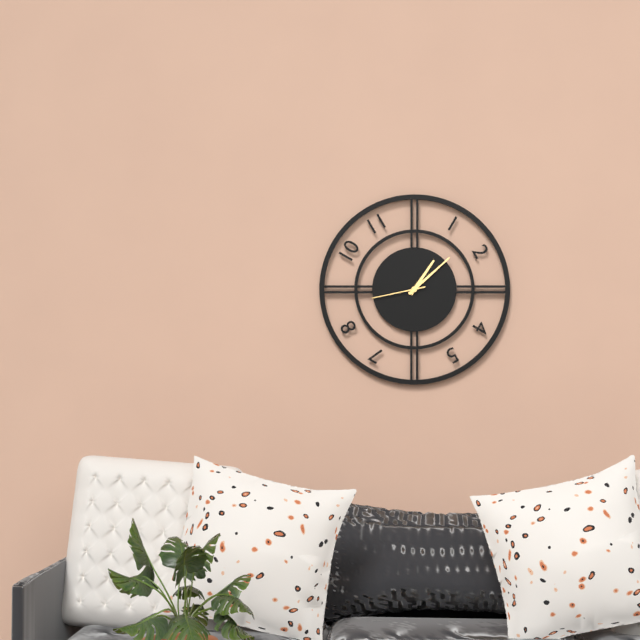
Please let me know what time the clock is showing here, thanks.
1:08:43
